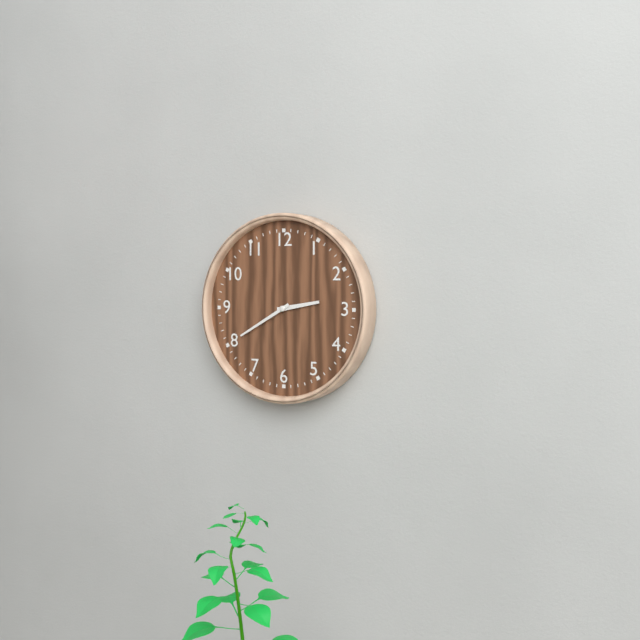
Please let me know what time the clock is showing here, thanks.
2:40
